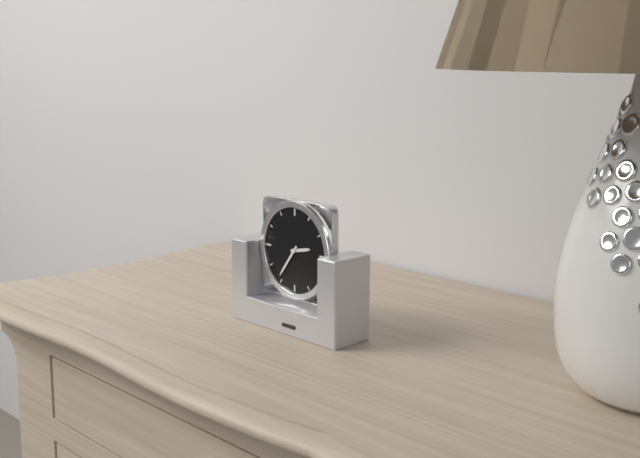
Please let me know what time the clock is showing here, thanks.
2:36
